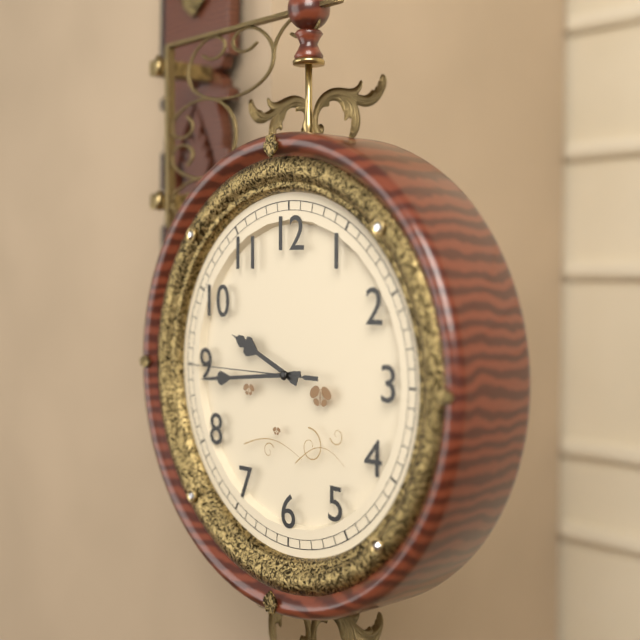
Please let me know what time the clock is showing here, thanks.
9:44:45
